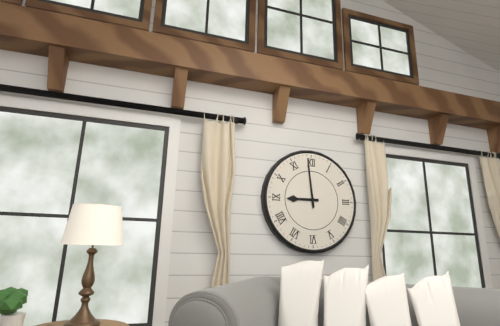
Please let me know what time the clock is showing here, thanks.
8:59
